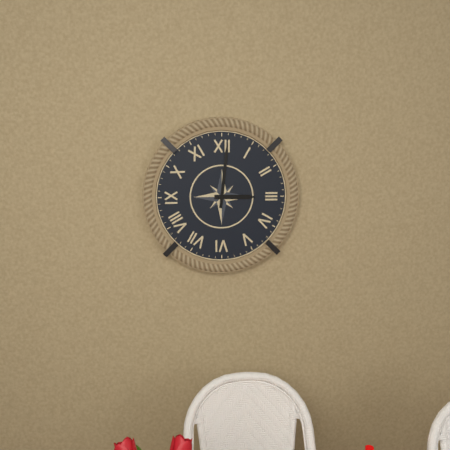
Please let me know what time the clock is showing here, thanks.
3:01
